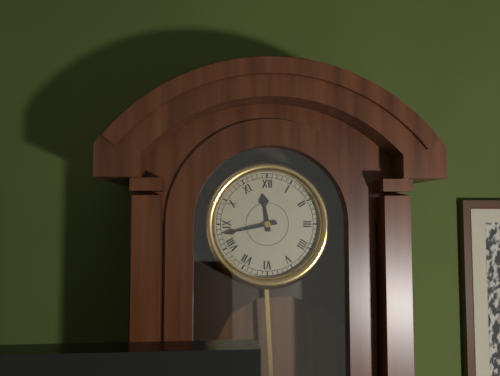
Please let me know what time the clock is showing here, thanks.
11:43
